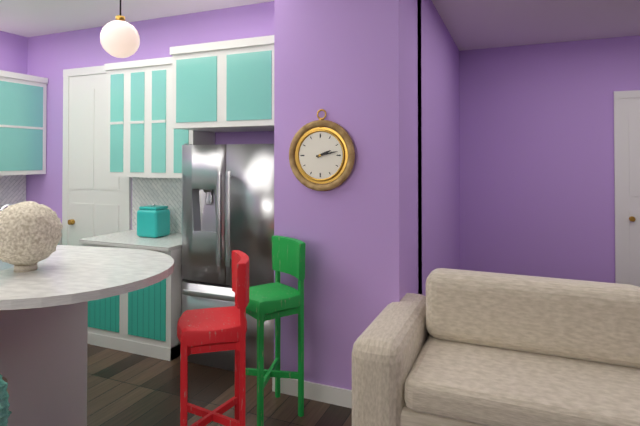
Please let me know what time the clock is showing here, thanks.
2:13
